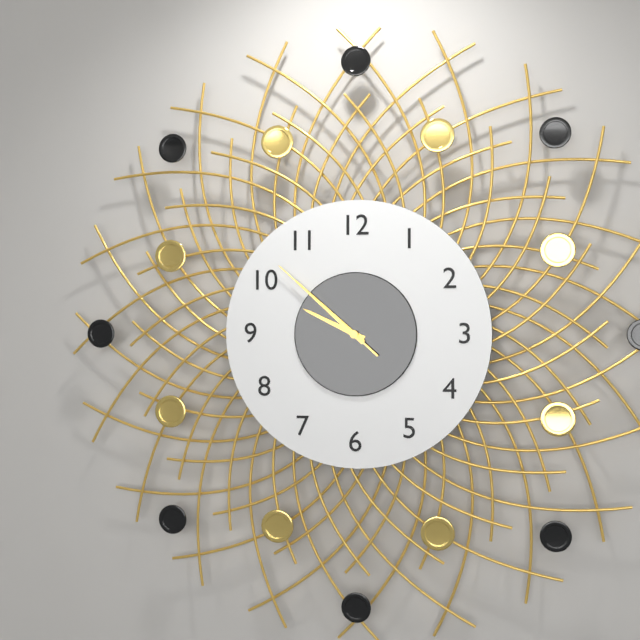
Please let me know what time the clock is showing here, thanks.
9:52:52
